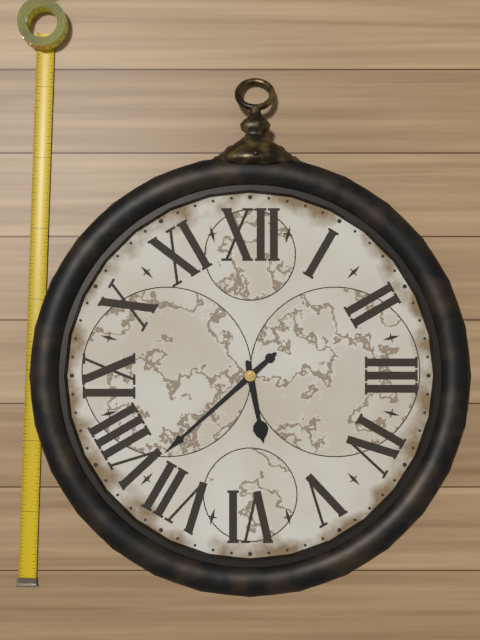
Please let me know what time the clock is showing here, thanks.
5:38
